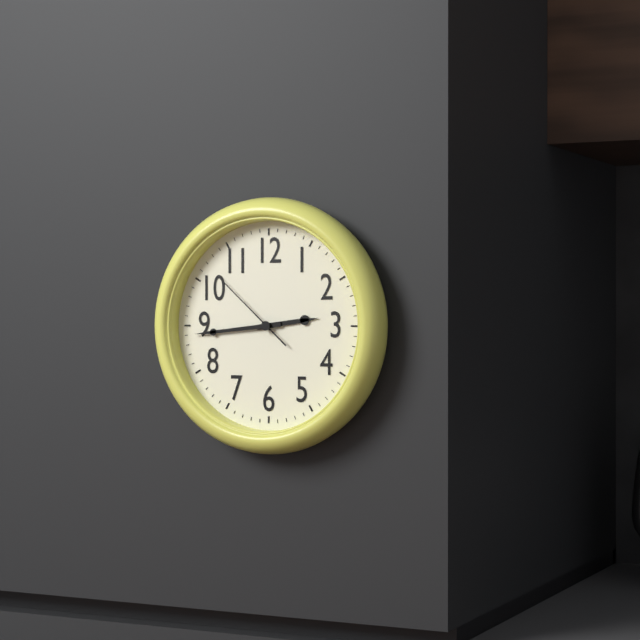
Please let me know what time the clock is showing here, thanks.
2:44:52
